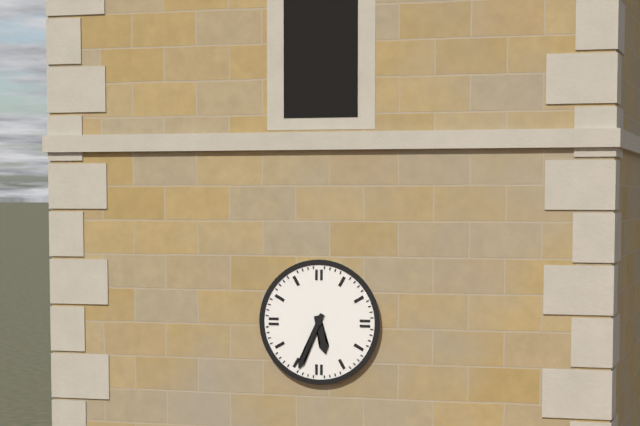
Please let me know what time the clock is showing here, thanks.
5:34
